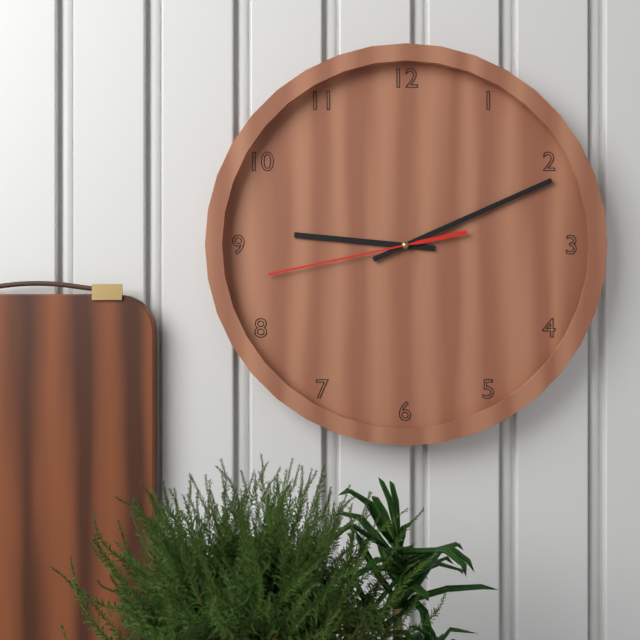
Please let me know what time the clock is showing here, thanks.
9:11:43
